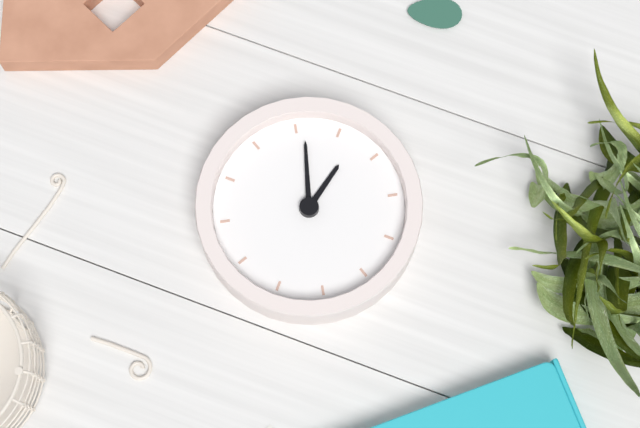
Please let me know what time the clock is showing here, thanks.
6:26
